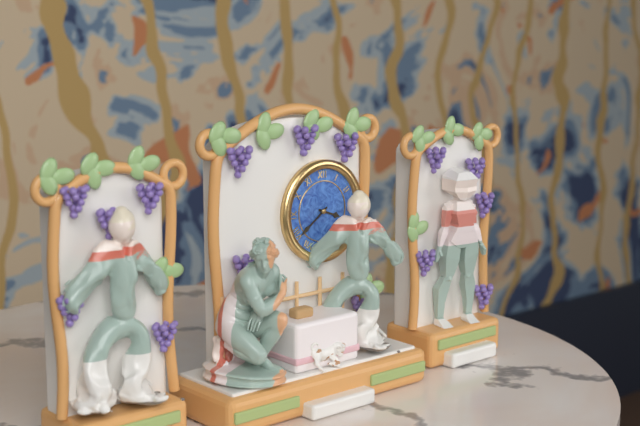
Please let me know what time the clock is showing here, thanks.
3:39
